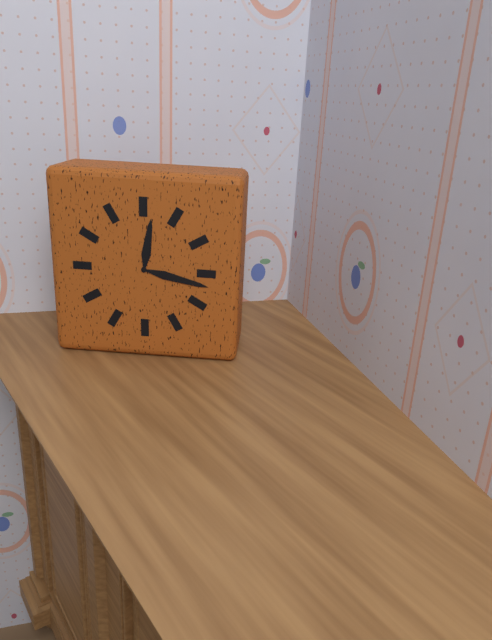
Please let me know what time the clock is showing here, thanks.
12:17
